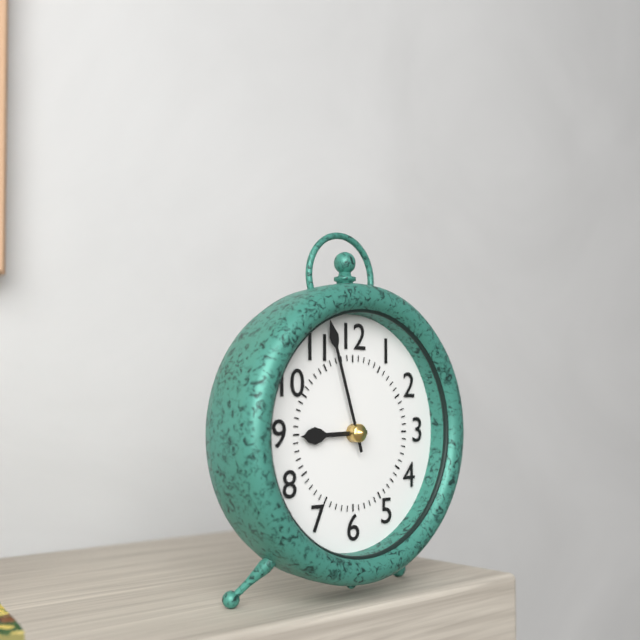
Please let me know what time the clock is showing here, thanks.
8:57
